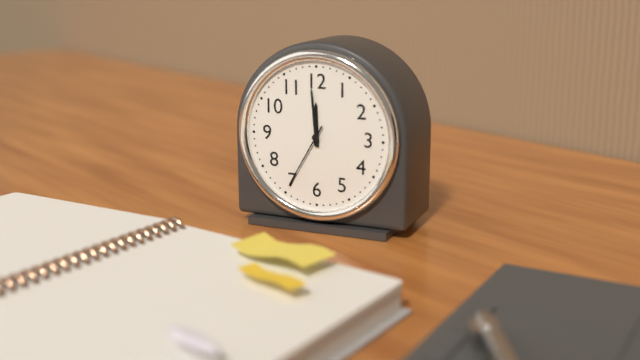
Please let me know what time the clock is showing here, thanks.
11:59:35
